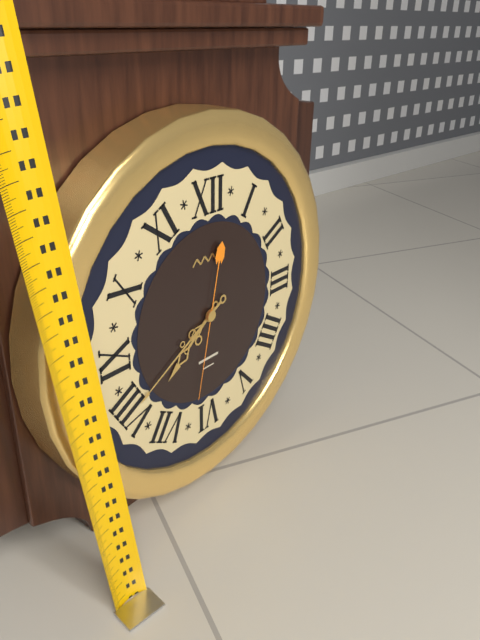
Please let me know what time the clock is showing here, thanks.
7:40:32
